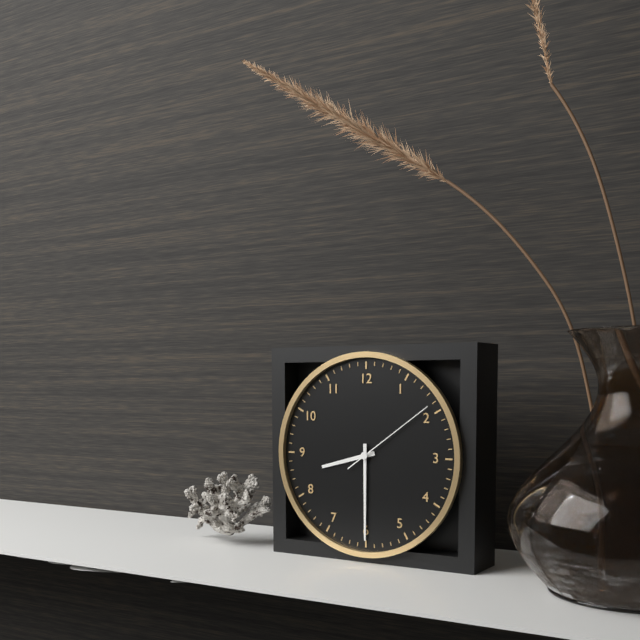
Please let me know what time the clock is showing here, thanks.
8:30:09
